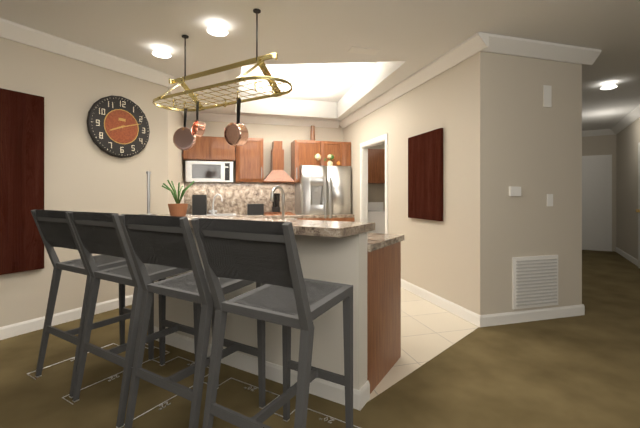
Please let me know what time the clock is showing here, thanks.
8:12
